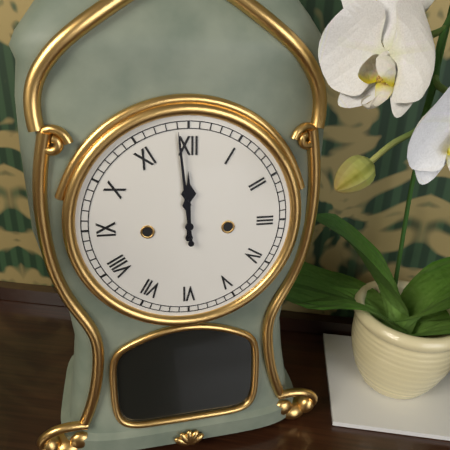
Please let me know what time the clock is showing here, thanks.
11:59
